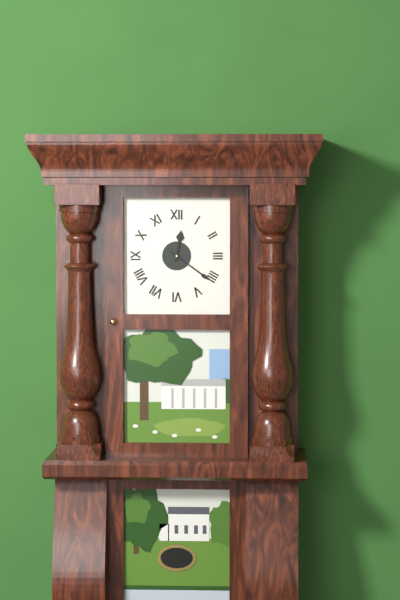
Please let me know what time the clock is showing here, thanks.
12:21
